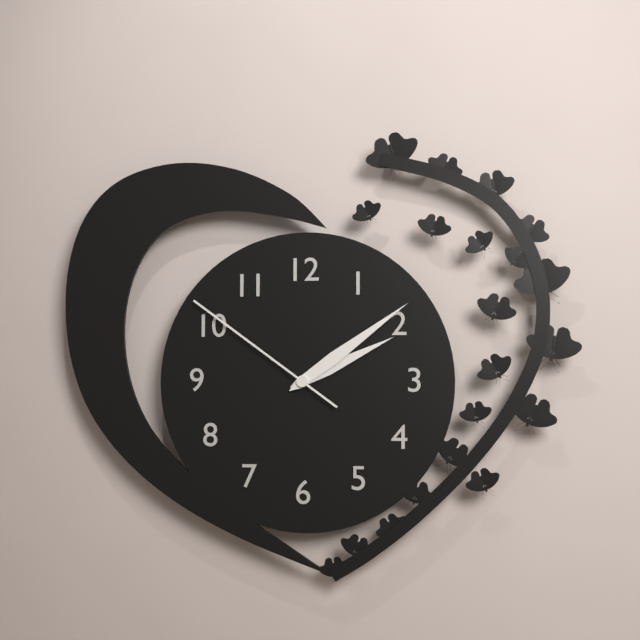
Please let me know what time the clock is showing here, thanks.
2:09:51
